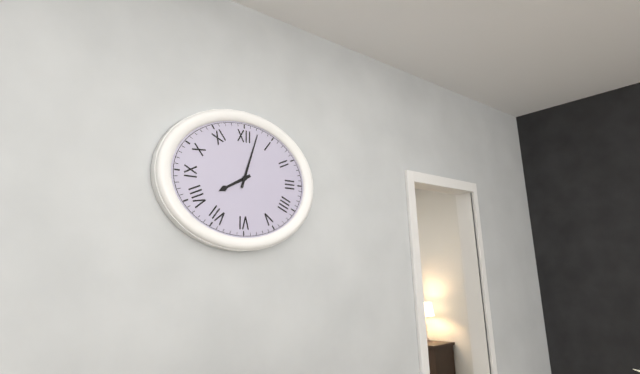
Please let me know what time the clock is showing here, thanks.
8:03
